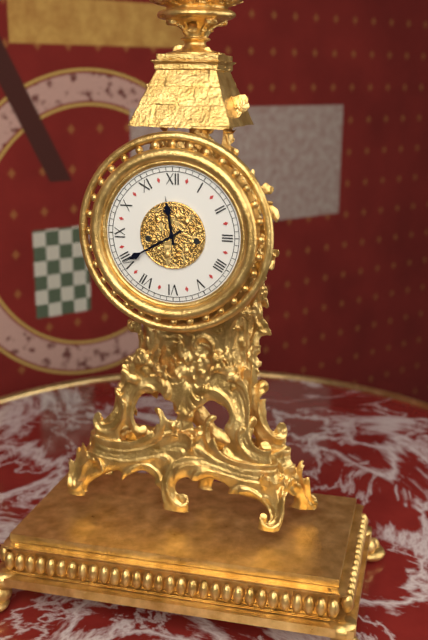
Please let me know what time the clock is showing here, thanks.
11:40
